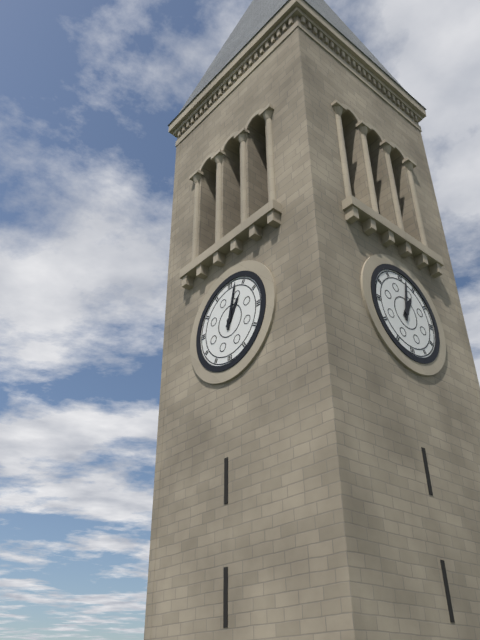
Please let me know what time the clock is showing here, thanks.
1:02
